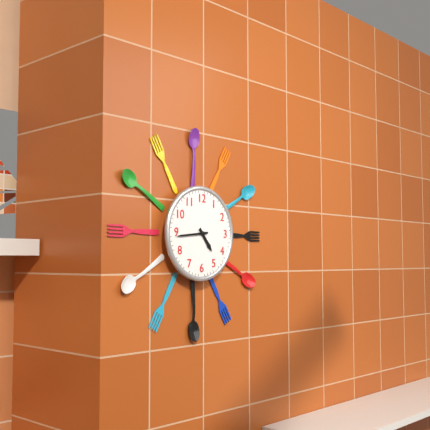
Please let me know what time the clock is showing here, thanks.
4:44
